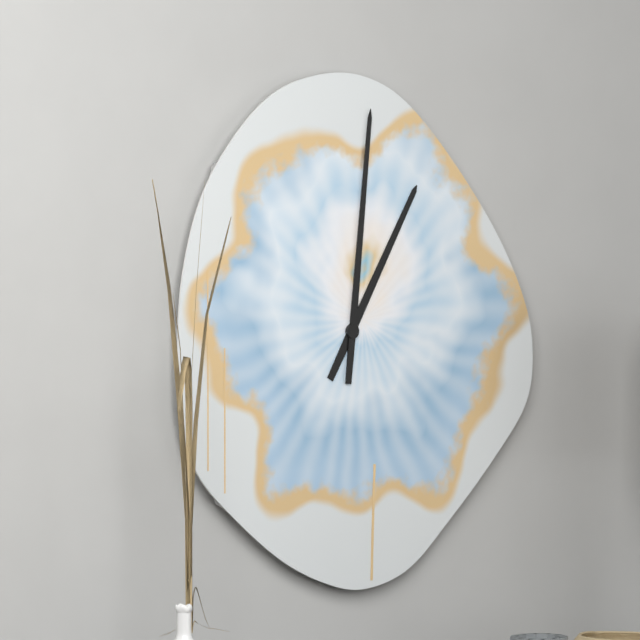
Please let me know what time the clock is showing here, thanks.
1:01
